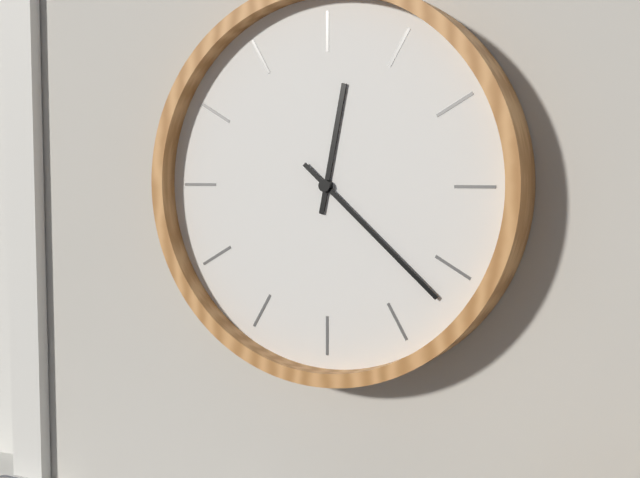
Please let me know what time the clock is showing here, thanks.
12:22
